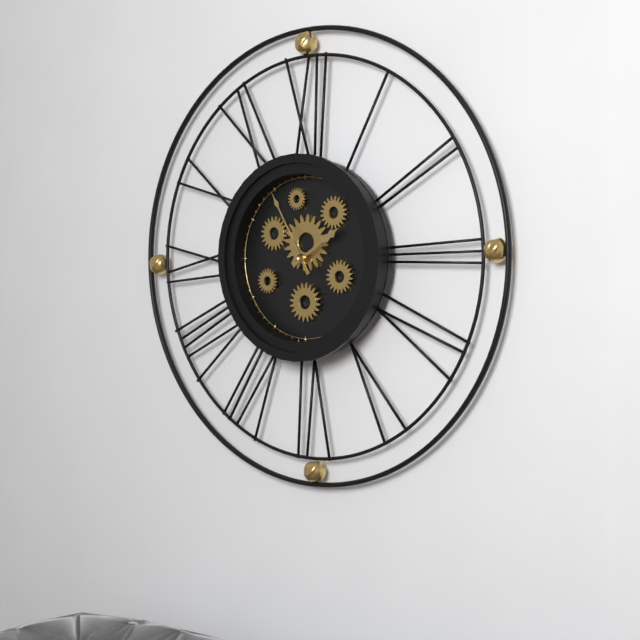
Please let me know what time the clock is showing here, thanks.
1:55
